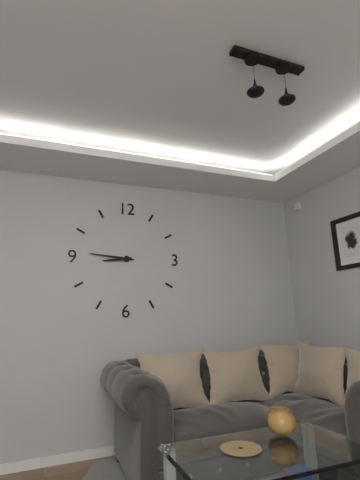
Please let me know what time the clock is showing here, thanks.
8:46
